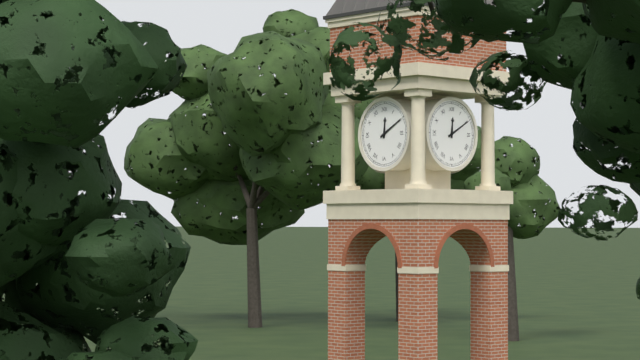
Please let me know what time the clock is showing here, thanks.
12:10
